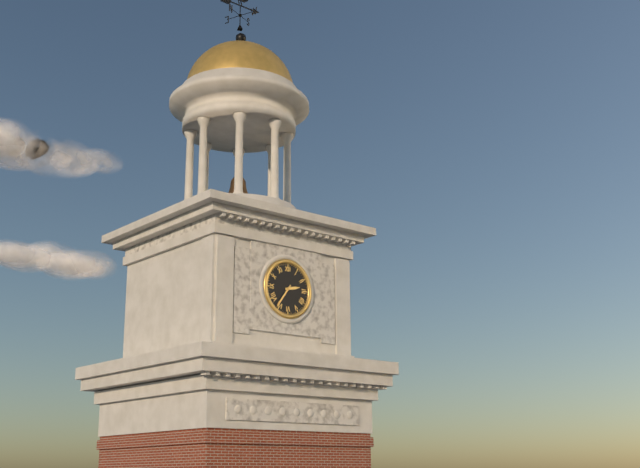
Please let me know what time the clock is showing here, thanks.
2:36
